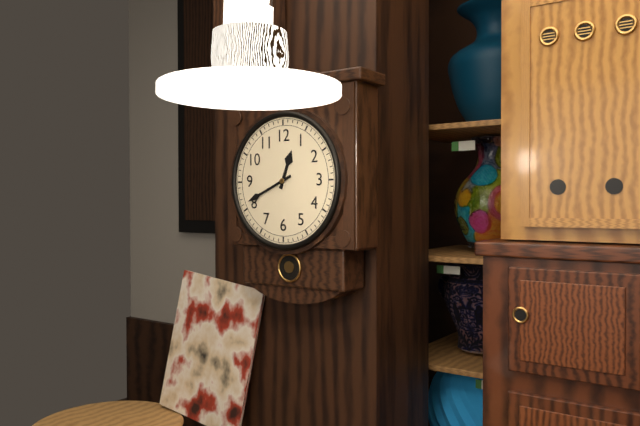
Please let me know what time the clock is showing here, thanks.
12:41
